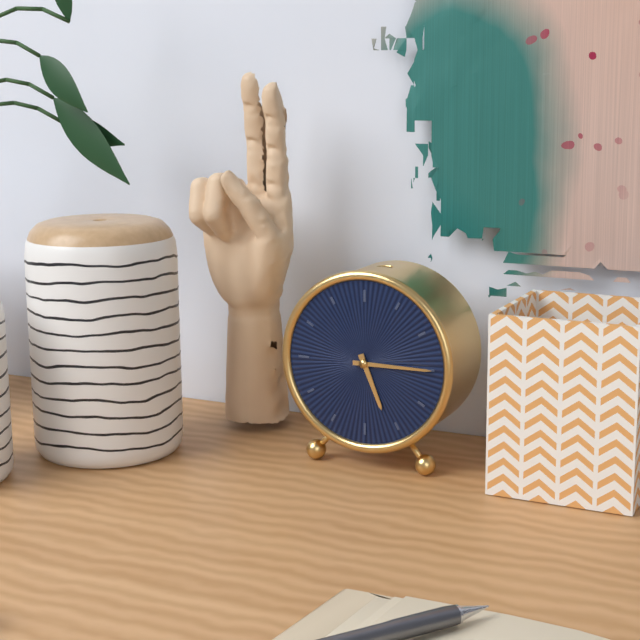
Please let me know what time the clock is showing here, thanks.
5:15
